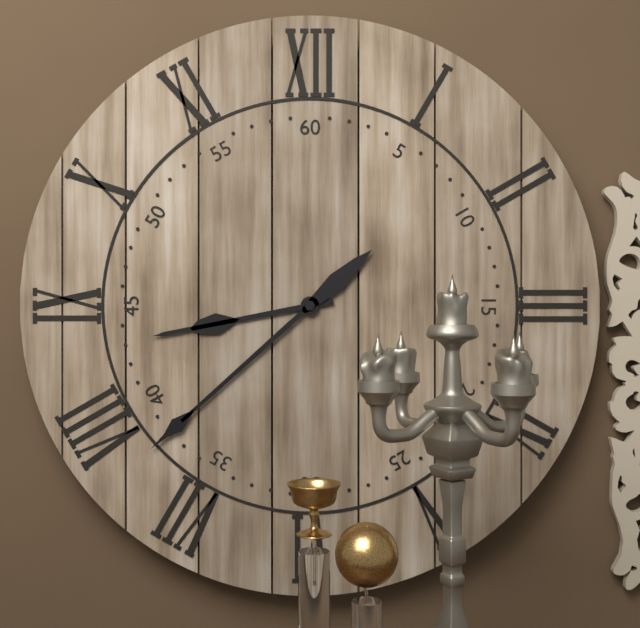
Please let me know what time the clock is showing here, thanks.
8:38
